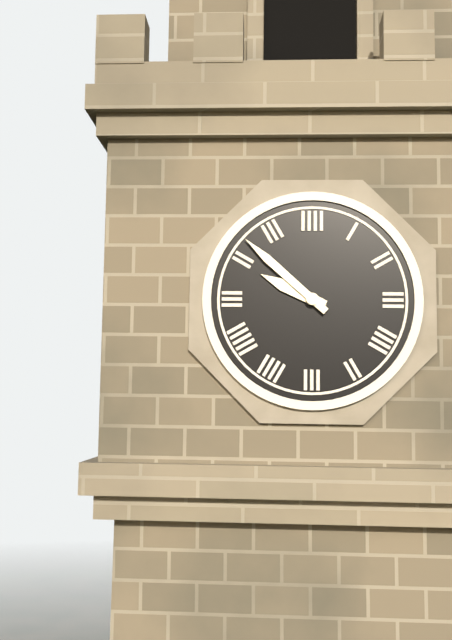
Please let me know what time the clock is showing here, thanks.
9:52
